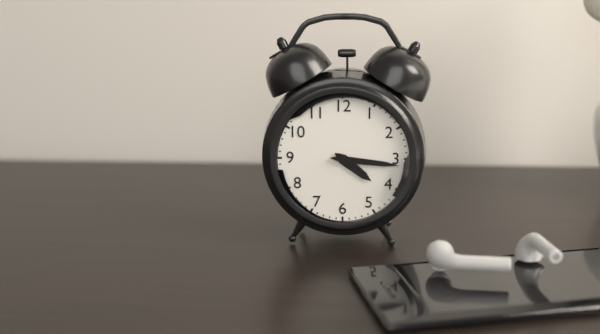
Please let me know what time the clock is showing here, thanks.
4:16
